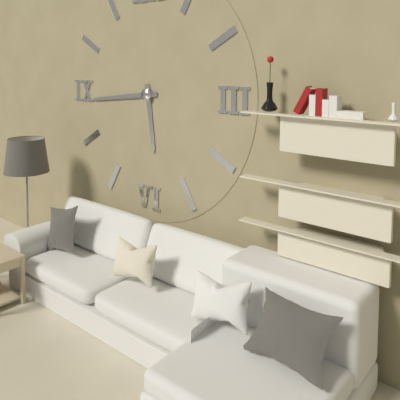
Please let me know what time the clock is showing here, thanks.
5:44
